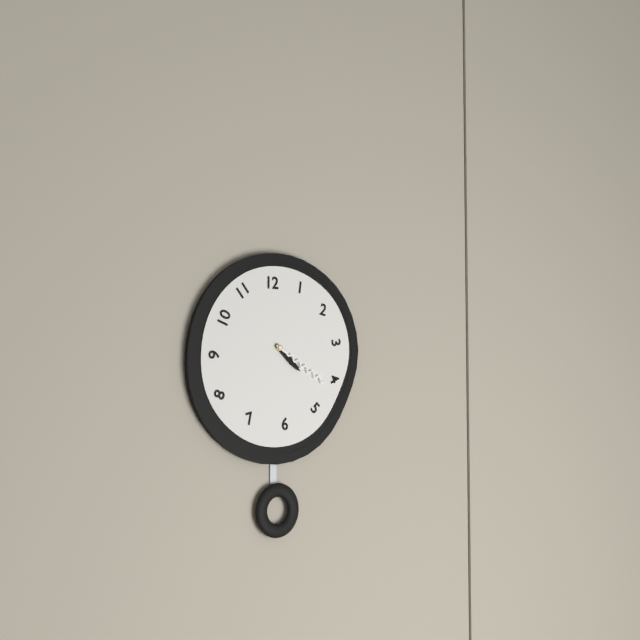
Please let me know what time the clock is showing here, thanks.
4:20
